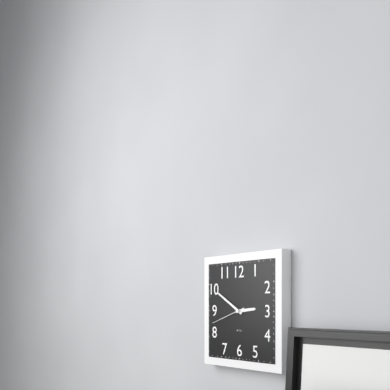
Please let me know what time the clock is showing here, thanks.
2:50
